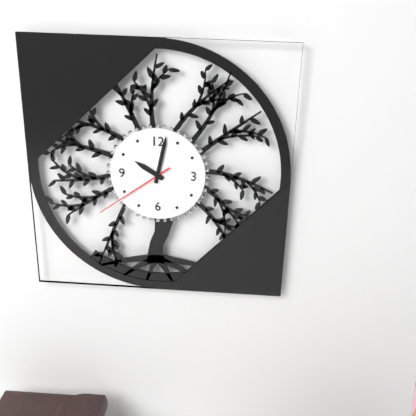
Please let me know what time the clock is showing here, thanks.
10:02:39
